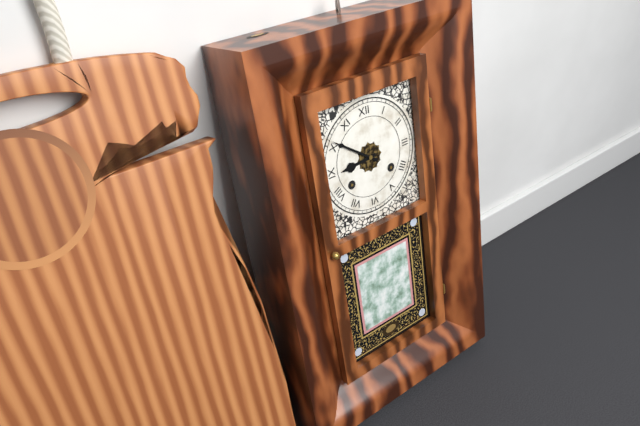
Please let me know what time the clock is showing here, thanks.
8:51
